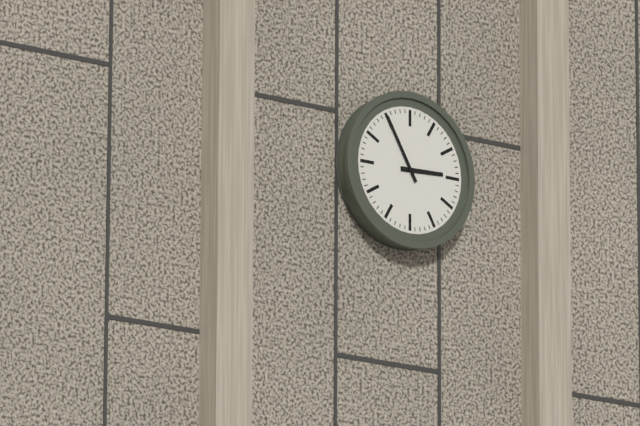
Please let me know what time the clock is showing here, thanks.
2:55
